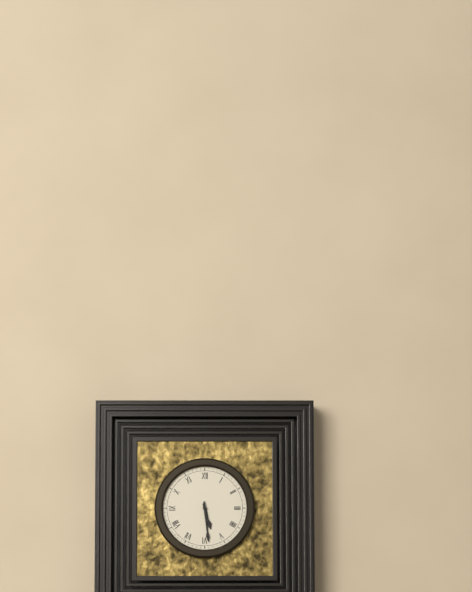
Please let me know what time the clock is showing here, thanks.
5:29
